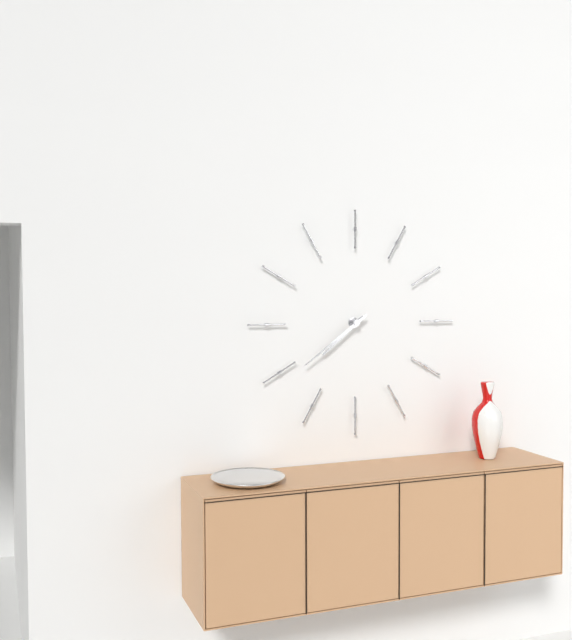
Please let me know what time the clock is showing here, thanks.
7:39
